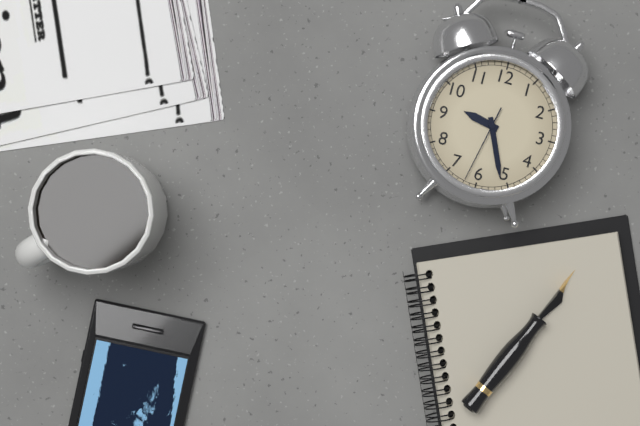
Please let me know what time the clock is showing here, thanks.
9:26:32
